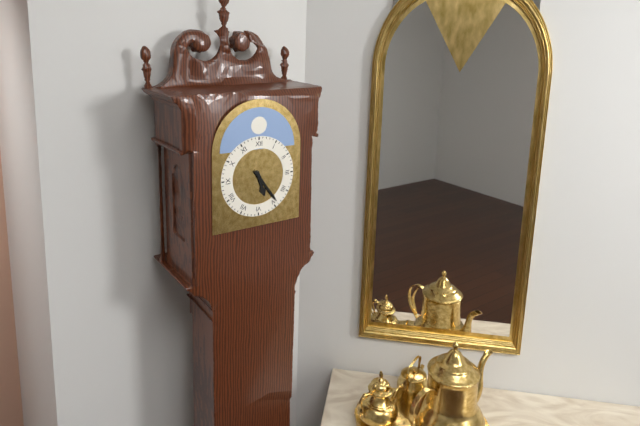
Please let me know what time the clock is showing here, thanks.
5:24
